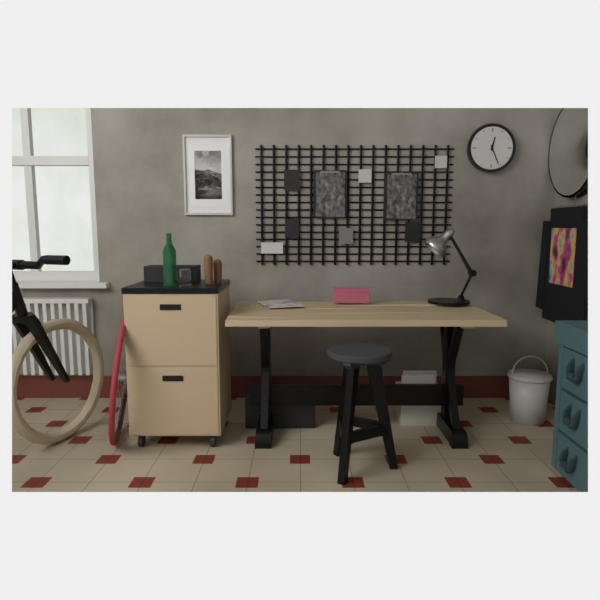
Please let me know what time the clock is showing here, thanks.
12:26
